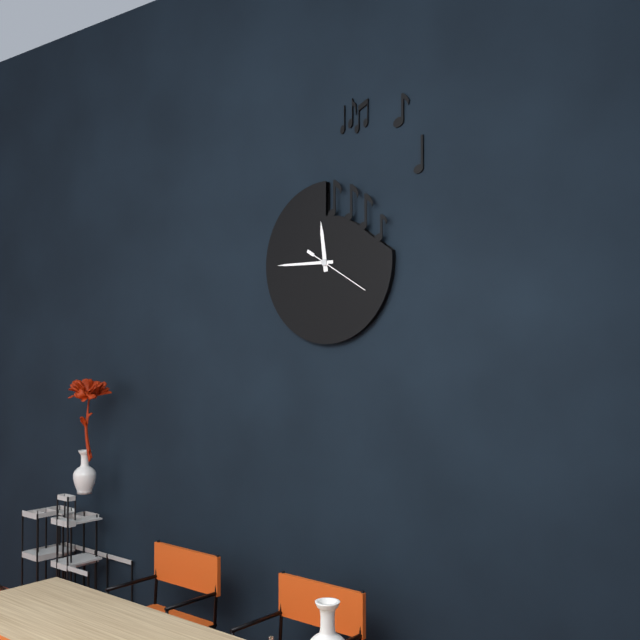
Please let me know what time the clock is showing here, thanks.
11:45:20
